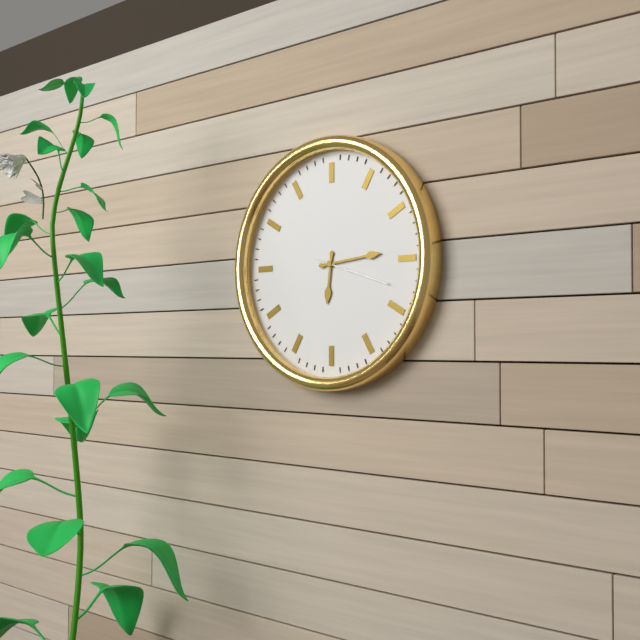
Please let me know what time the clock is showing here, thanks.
6:14:18
